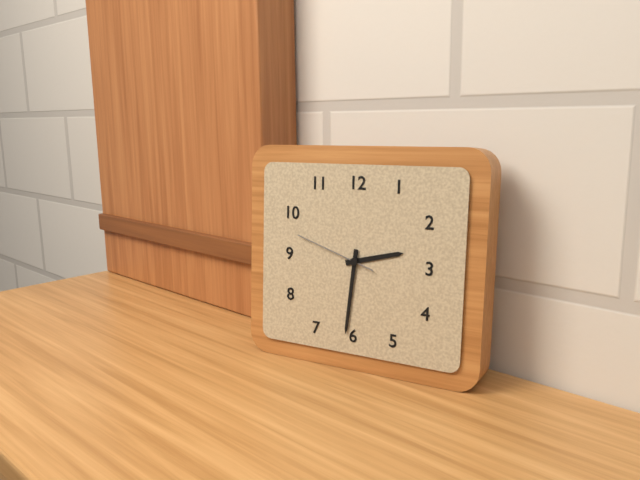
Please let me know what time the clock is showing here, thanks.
2:31:48
